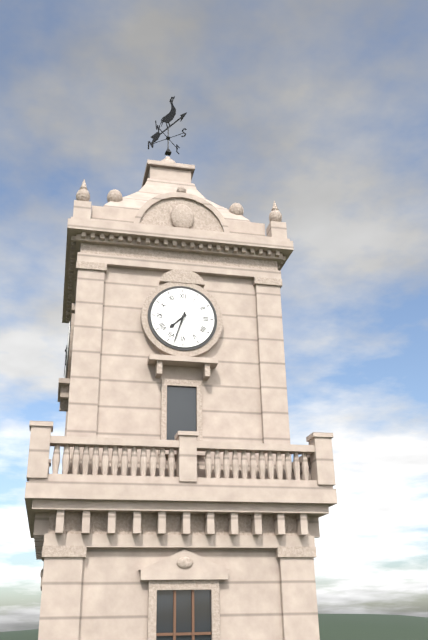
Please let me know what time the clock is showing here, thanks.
7:33
